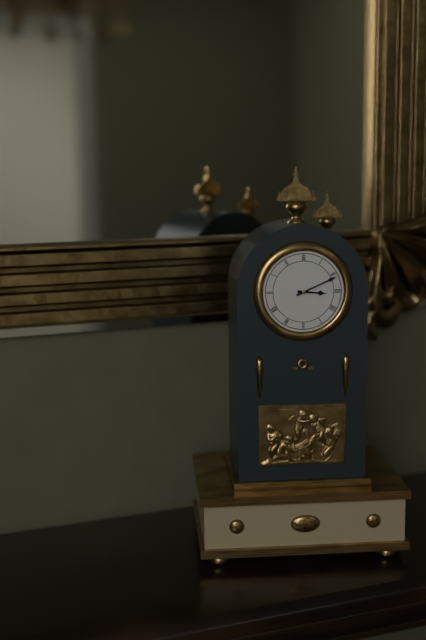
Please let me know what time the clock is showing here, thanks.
3:11
